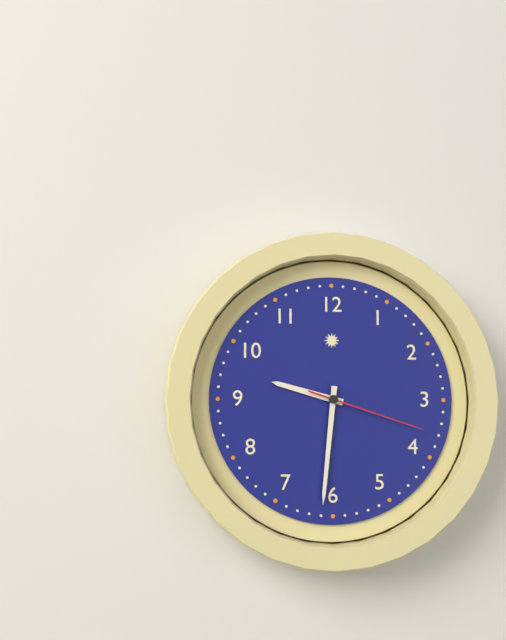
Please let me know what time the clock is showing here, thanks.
9:31:18
